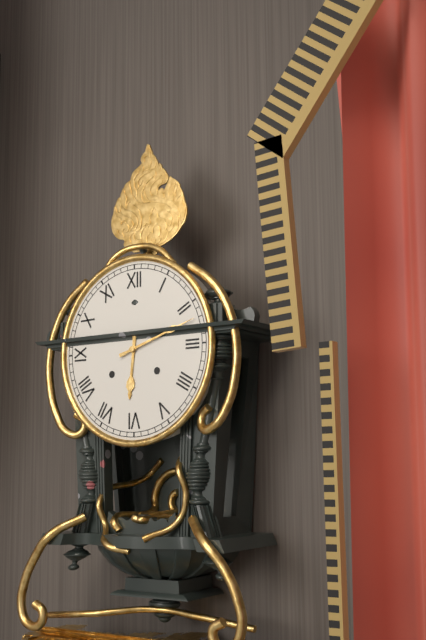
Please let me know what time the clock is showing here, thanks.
6:12
